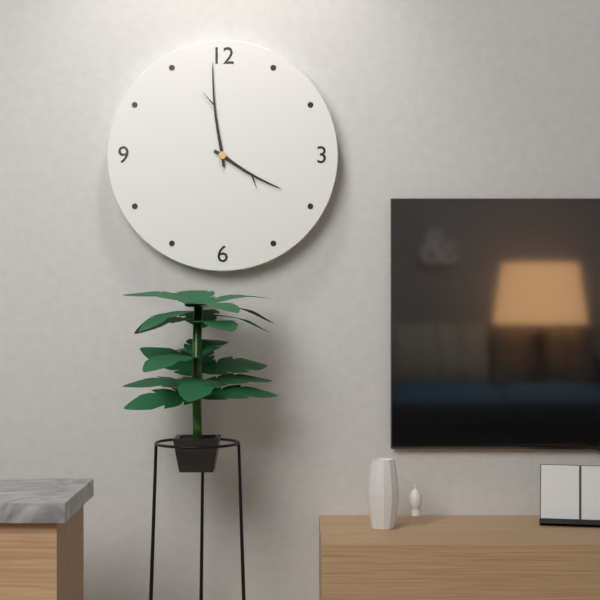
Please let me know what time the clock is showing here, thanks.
3:59
